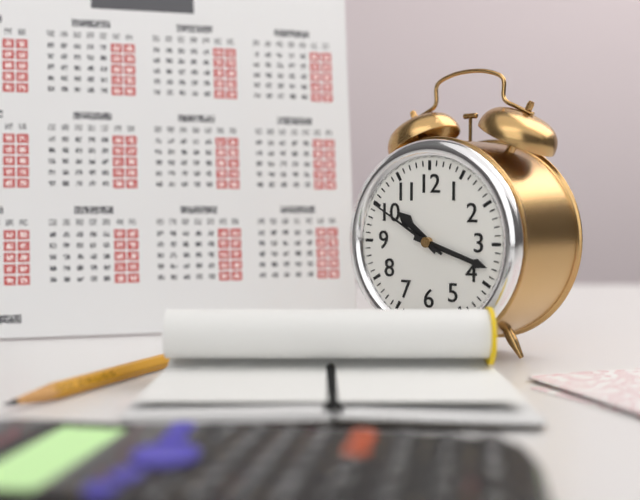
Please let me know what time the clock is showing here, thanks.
10:18:50
